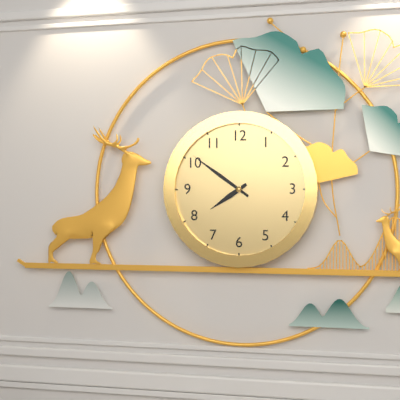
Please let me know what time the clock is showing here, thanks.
7:51
